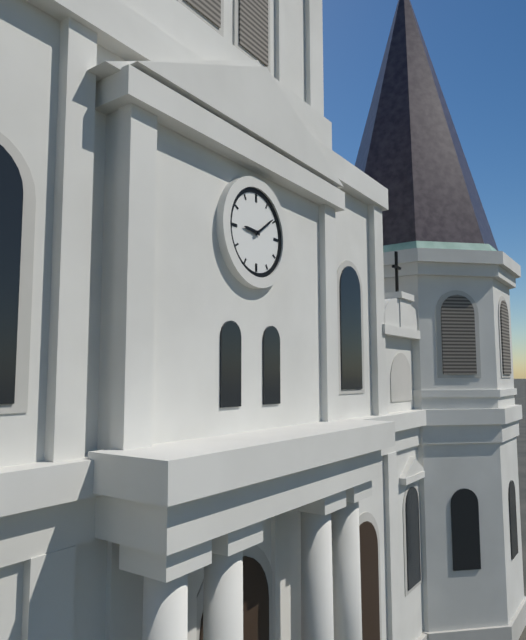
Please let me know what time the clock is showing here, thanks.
9:09
